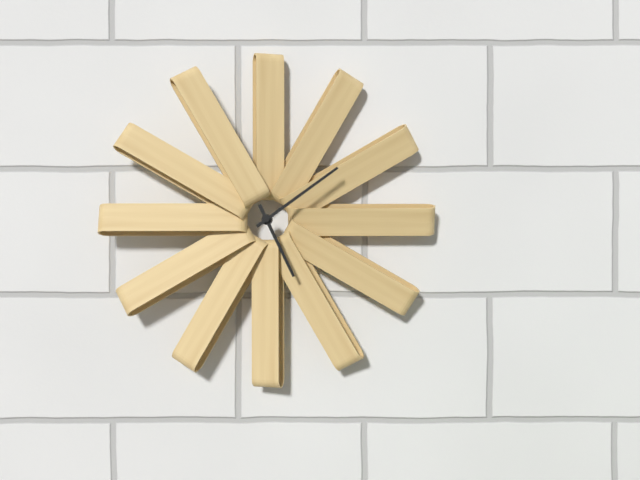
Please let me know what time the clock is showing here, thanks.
5:09
